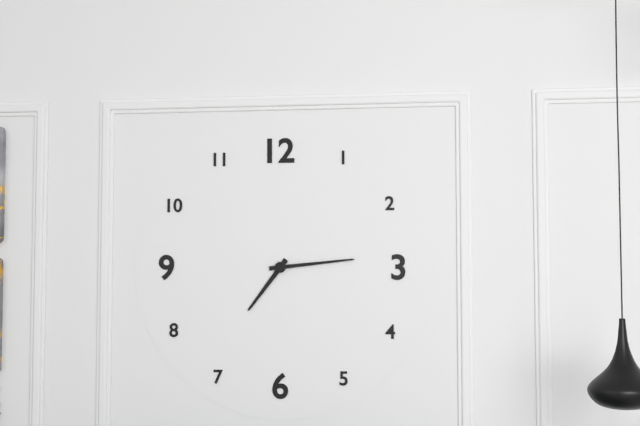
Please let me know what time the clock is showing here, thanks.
7:14
